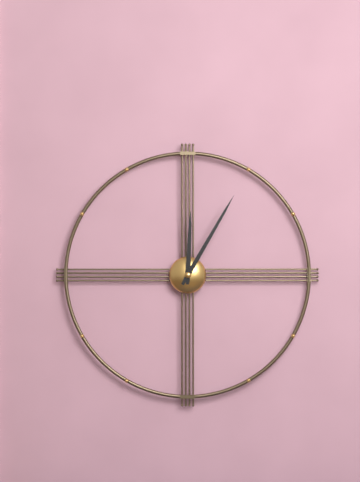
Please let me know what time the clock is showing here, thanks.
12:05
